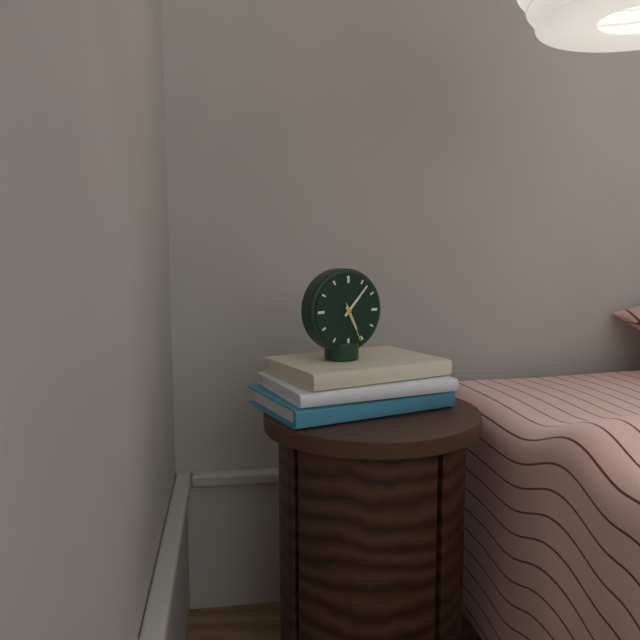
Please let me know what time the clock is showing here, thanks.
5:07
